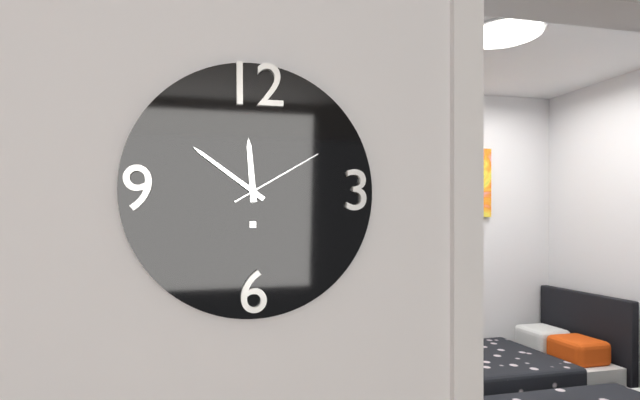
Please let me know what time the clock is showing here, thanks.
11:51:10
